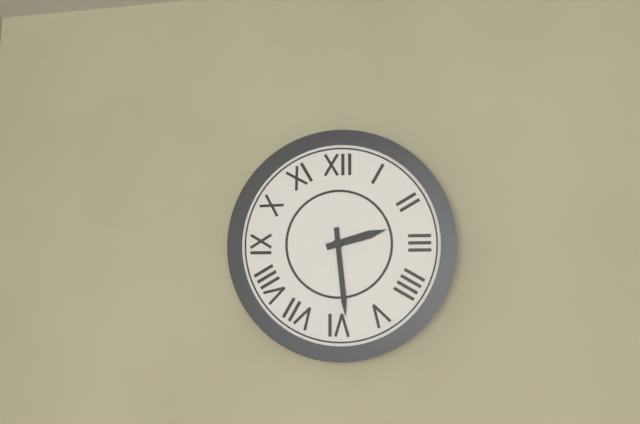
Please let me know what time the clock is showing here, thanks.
2:29
